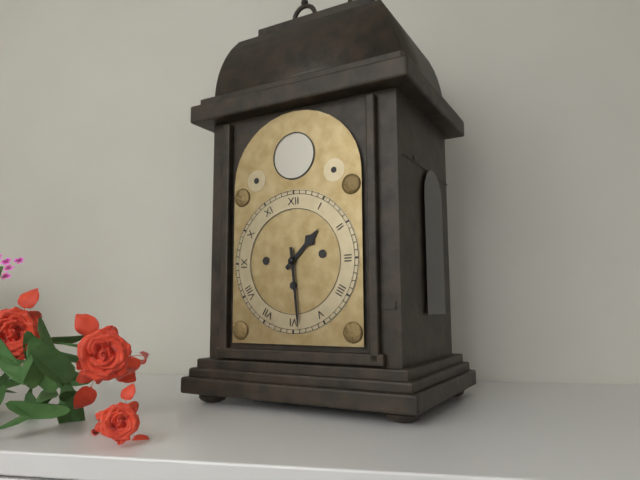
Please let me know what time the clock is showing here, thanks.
1:29
